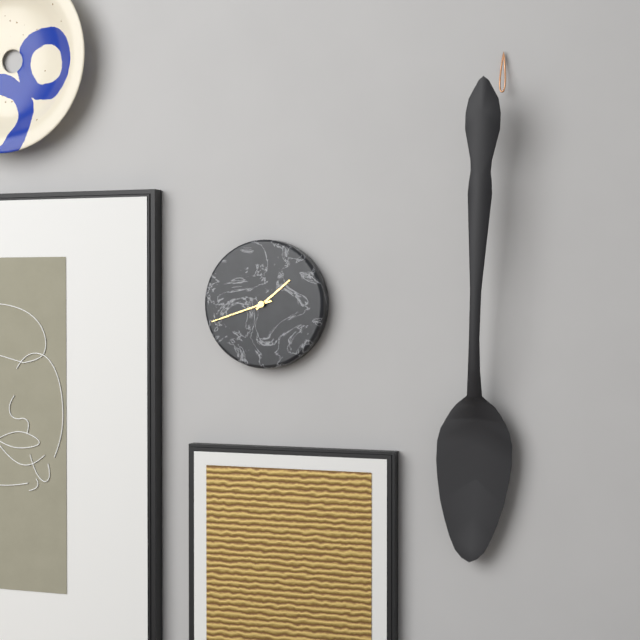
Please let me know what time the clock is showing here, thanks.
1:42
